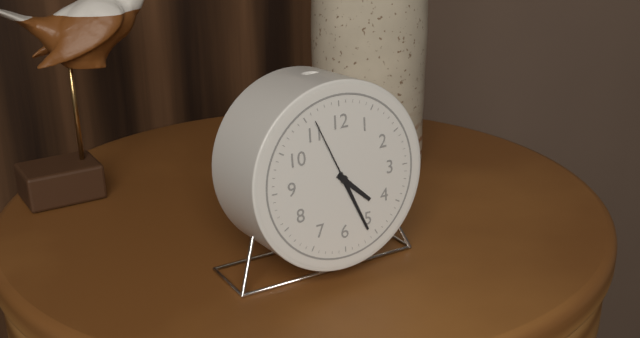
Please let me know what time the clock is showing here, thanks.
4:26:56
